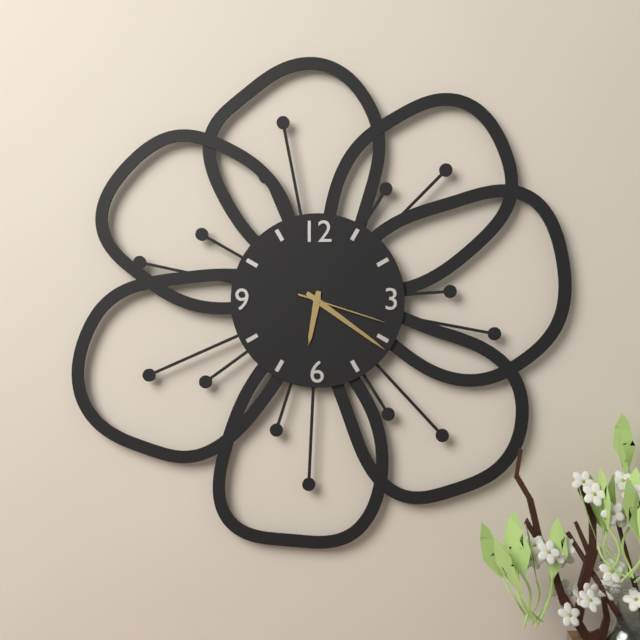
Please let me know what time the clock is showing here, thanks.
6:21:18
